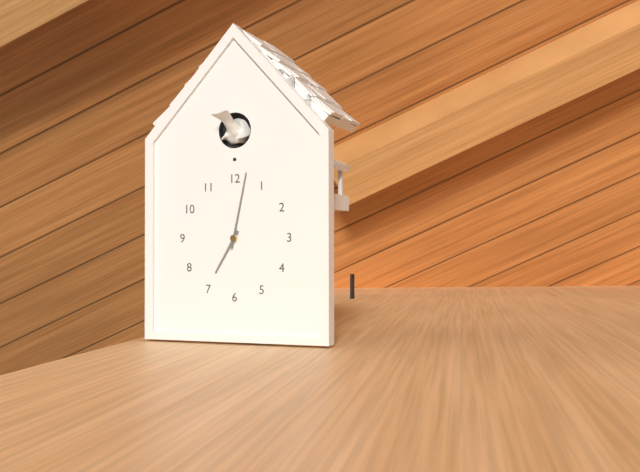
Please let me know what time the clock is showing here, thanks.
7:02
